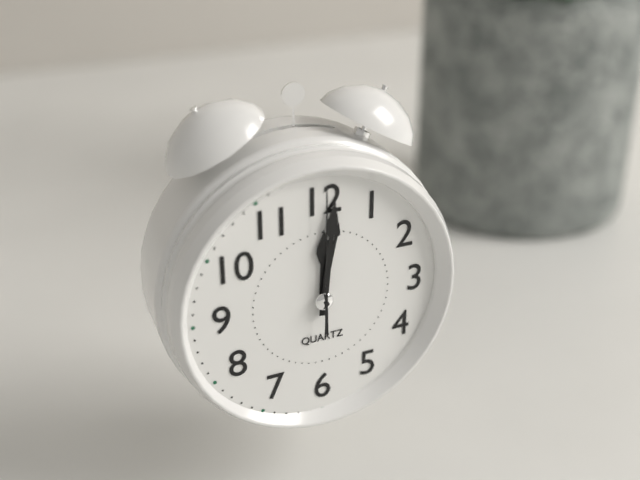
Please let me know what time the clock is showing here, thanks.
12:01:00
